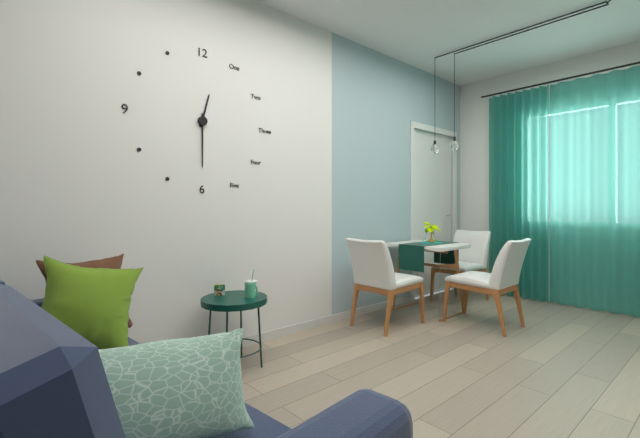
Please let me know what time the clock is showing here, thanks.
12:30
